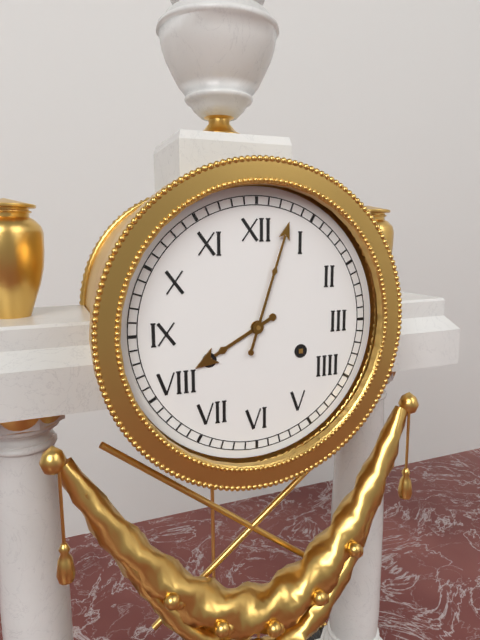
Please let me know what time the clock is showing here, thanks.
8:03
